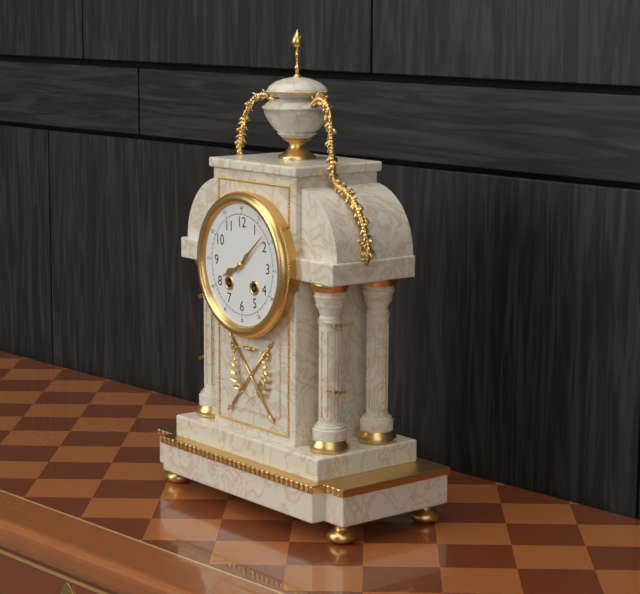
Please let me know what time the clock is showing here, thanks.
8:08
